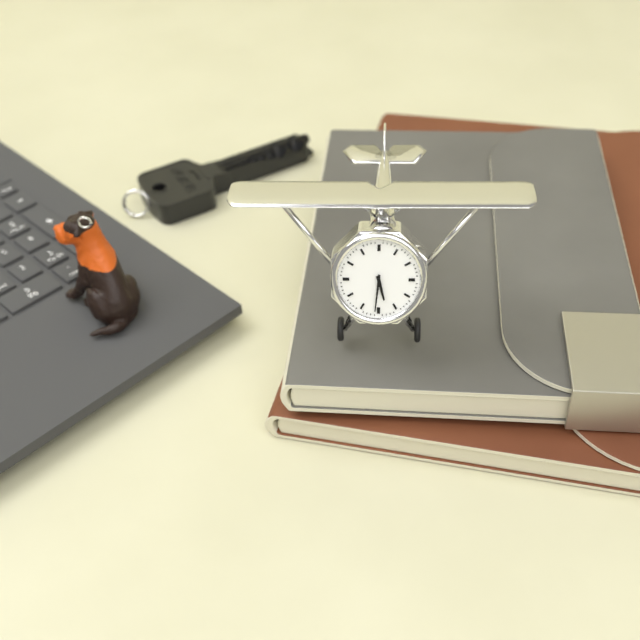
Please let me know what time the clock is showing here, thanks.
5:31
